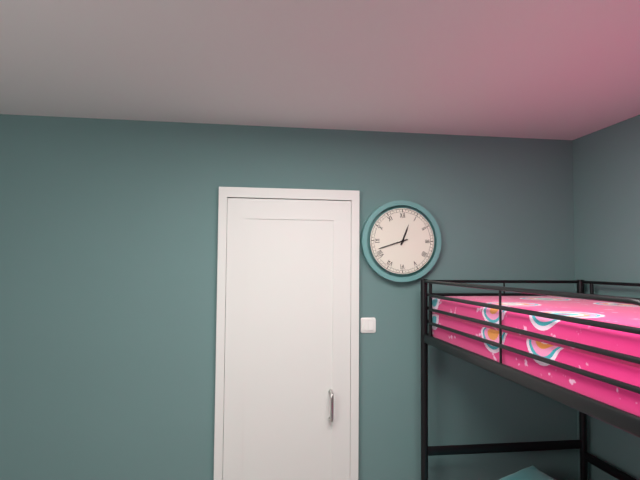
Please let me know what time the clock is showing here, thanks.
12:42
